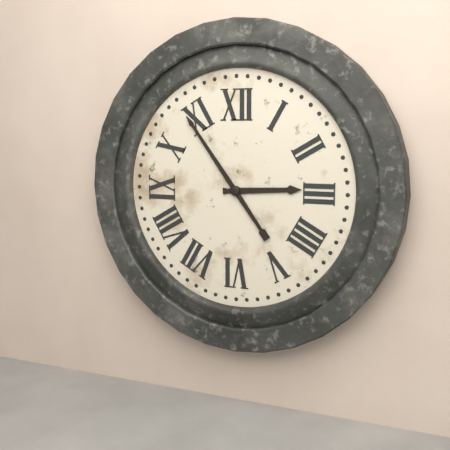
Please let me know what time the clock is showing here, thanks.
2:54
